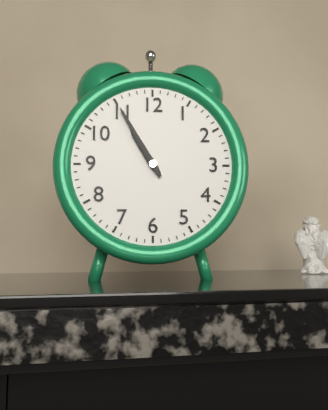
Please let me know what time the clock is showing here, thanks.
10:55
